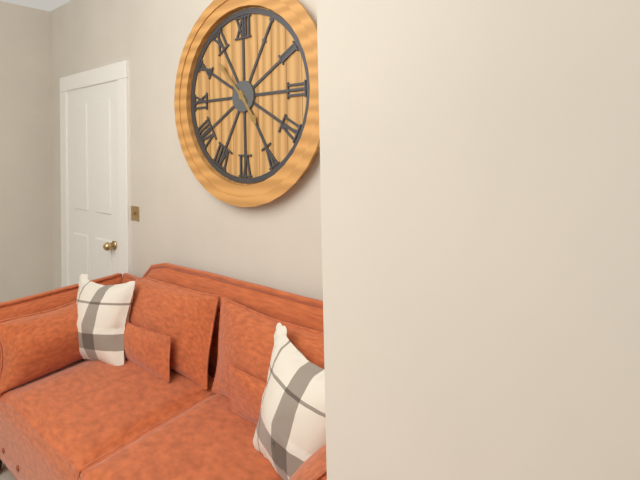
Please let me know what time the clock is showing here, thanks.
4:53
